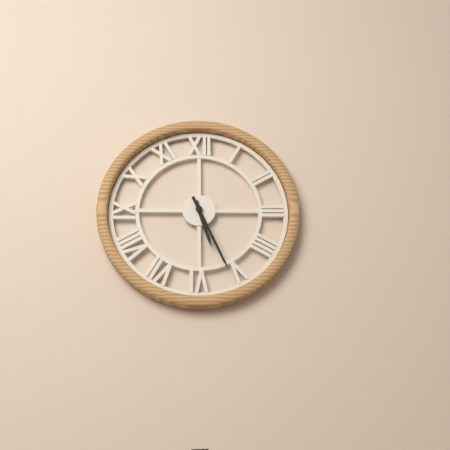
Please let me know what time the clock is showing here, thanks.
5:26
